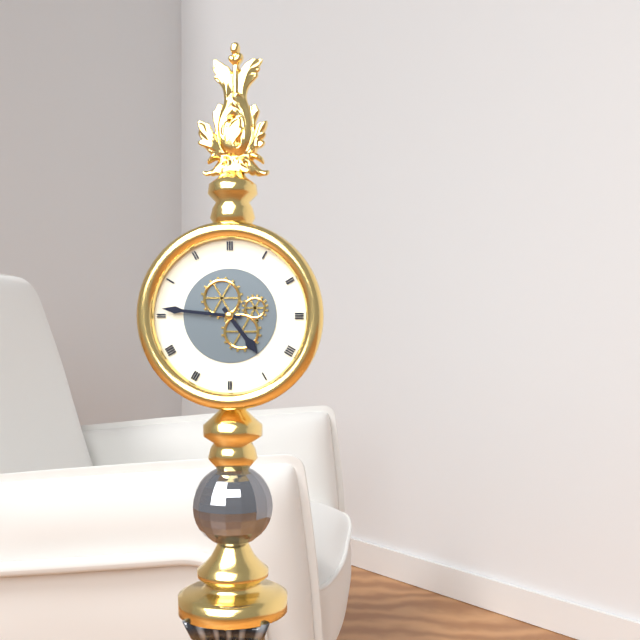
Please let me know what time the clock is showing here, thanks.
4:46
